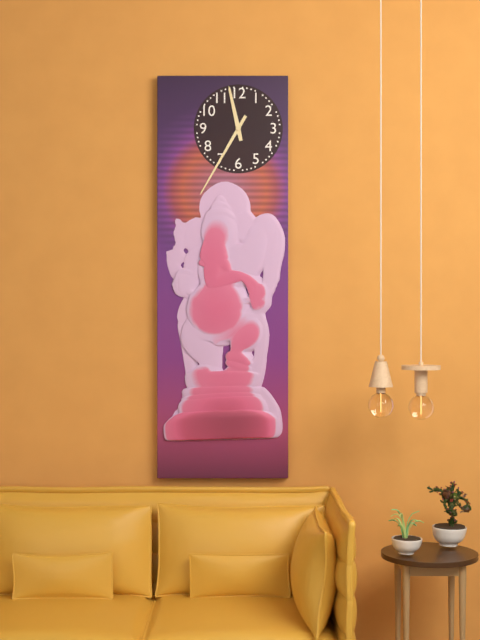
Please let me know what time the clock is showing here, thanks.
11:35
